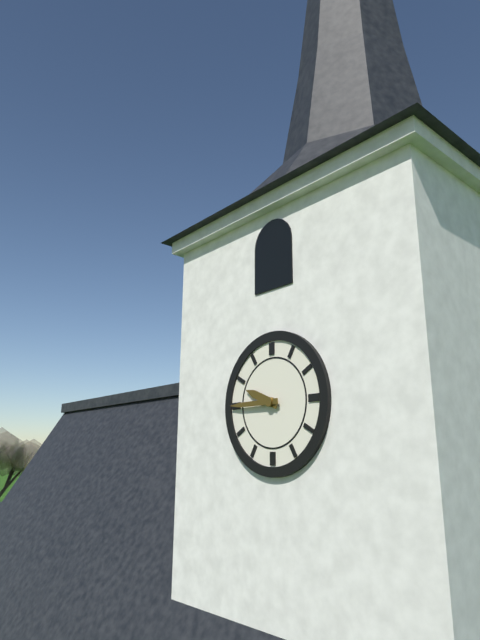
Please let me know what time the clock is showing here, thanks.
9:45
